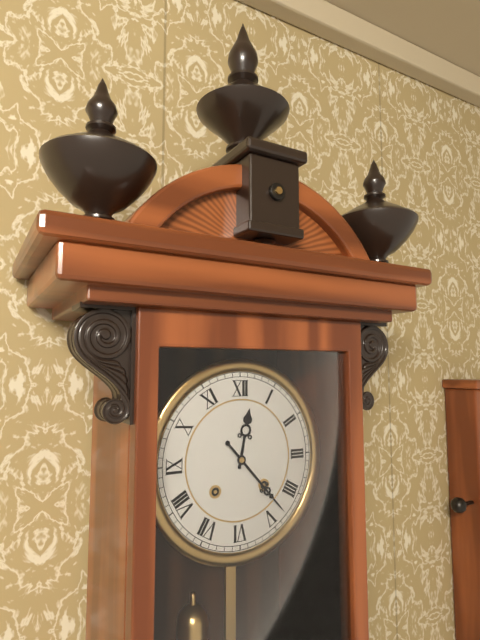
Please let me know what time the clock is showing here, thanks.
12:23
